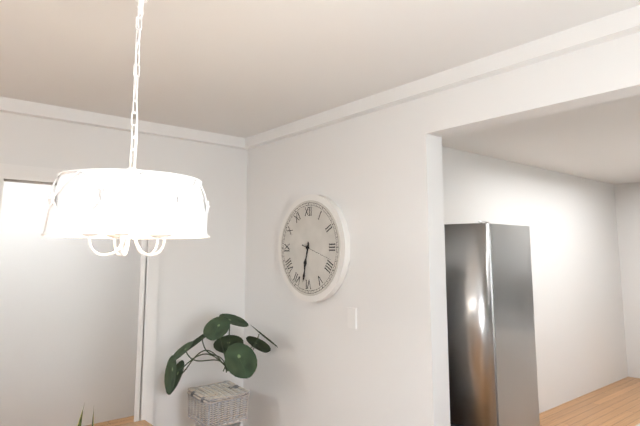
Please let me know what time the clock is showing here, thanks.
6:32
